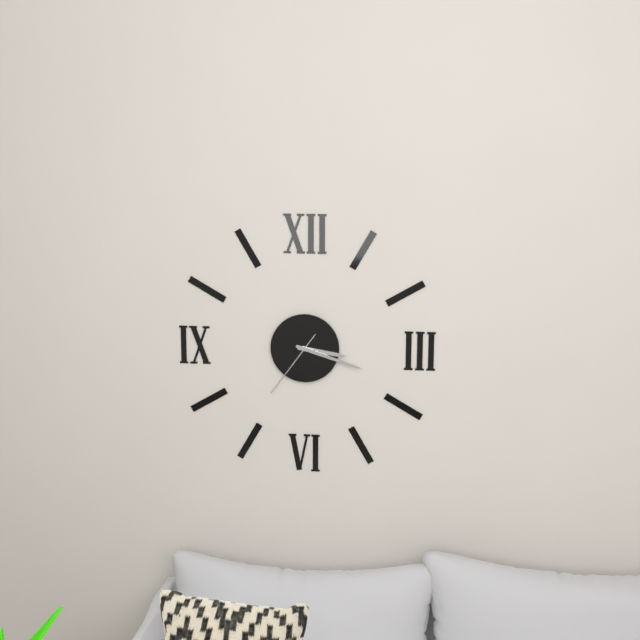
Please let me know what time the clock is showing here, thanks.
3:18:36
